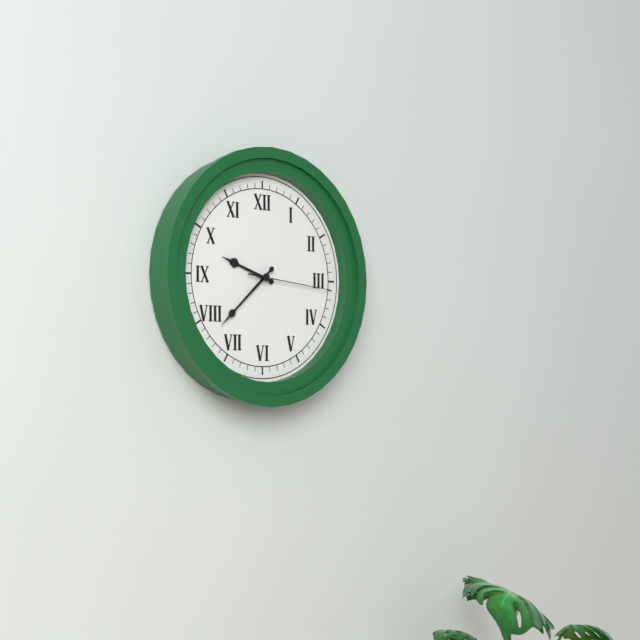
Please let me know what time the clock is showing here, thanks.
9:38:16
